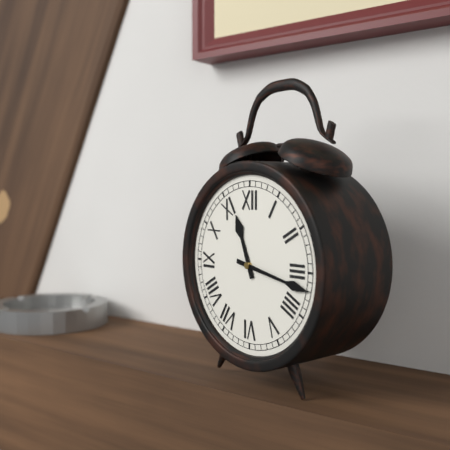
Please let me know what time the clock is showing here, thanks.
11:17
